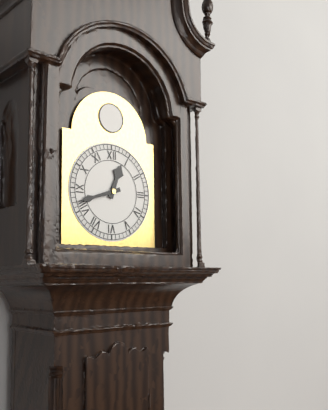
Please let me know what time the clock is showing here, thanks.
12:42
